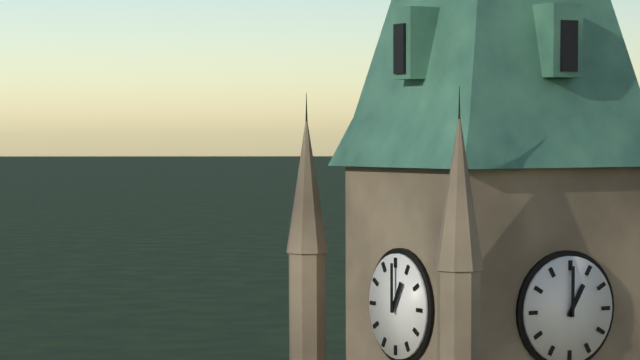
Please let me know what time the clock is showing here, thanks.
1:00
